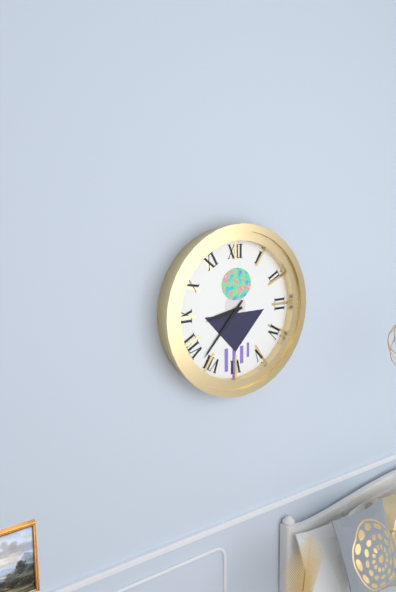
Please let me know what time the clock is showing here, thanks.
8:37
